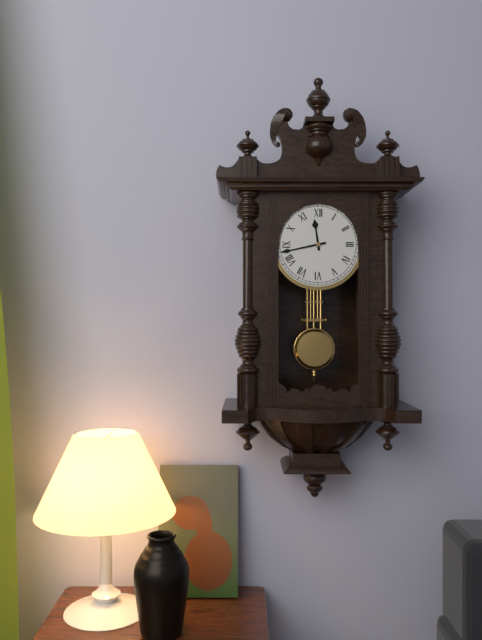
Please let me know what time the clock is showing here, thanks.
11:43
